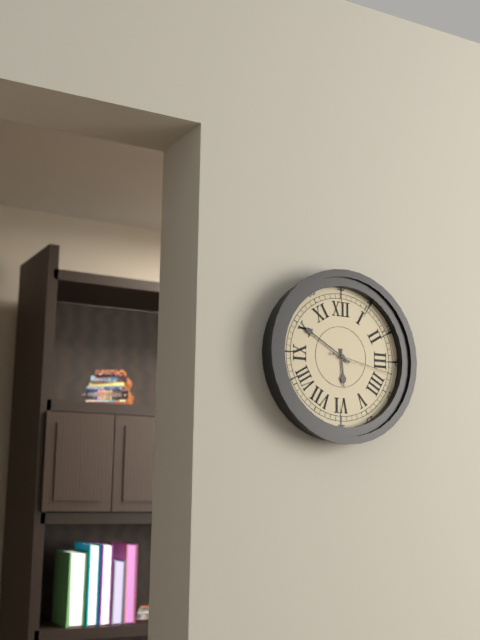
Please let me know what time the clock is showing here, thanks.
5:50:17
